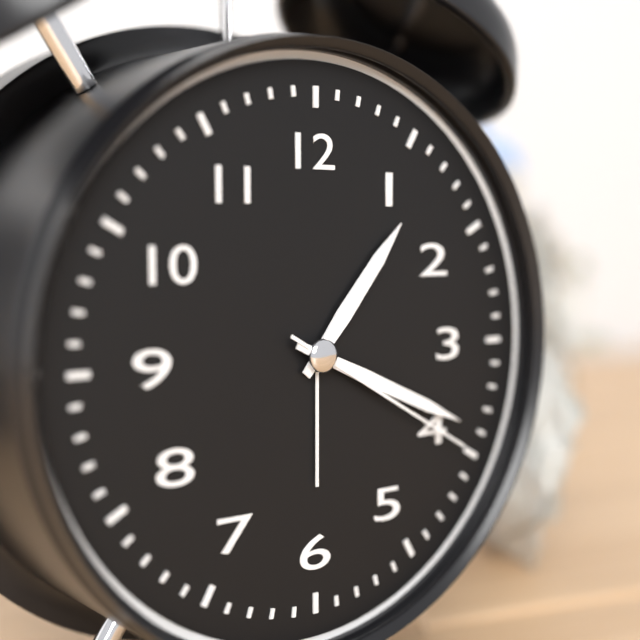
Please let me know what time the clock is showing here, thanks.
1:19:20
